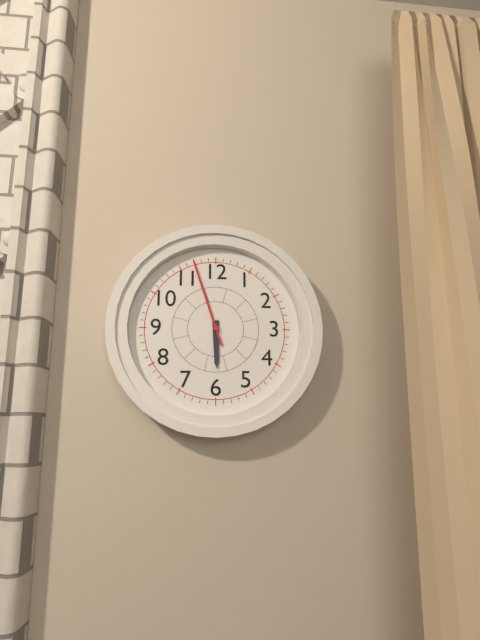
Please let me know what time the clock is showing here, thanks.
5:57
